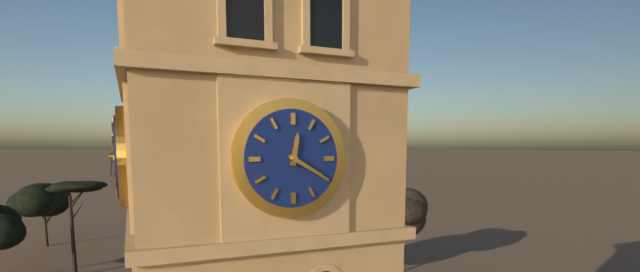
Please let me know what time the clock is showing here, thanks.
12:20
